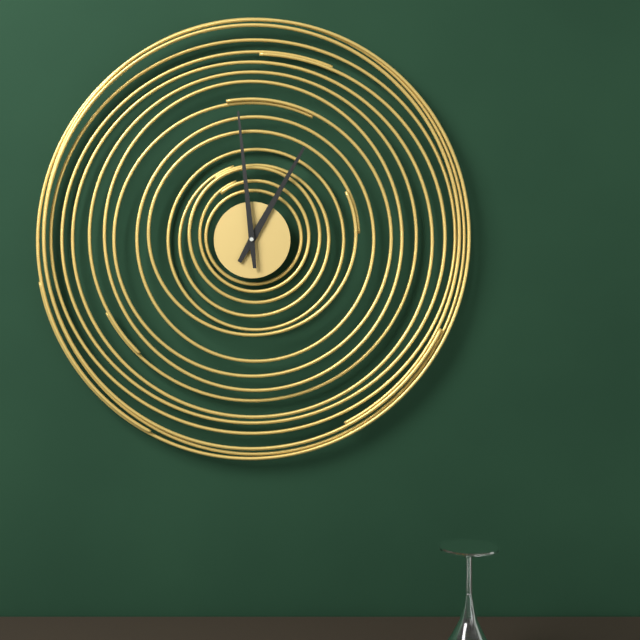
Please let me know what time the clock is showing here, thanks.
12:59
